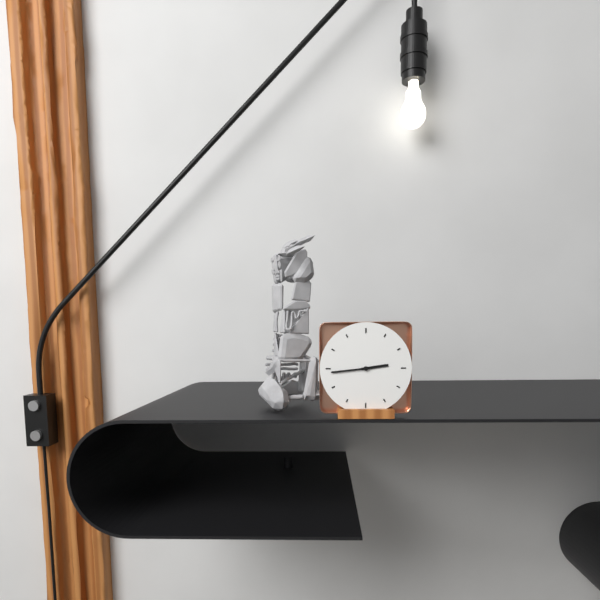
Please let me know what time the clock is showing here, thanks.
2:44
